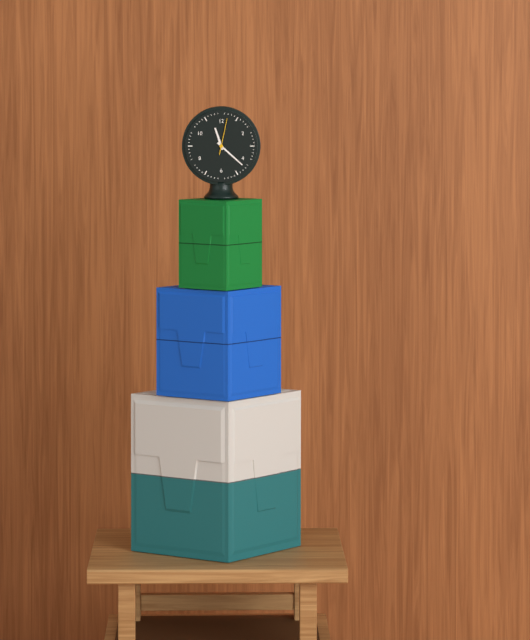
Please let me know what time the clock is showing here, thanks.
11:22
